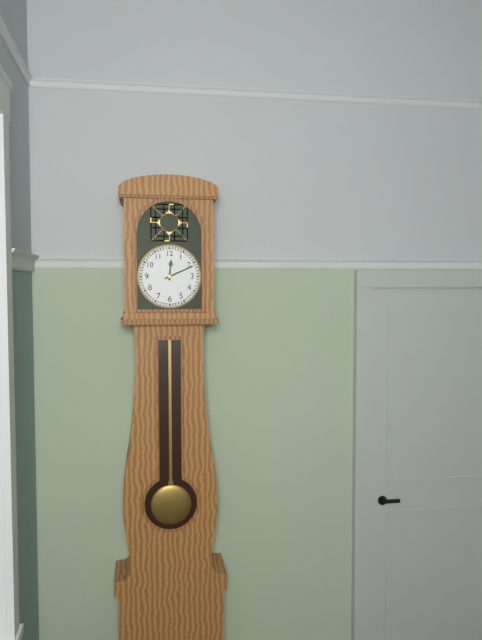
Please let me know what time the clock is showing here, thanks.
12:11
